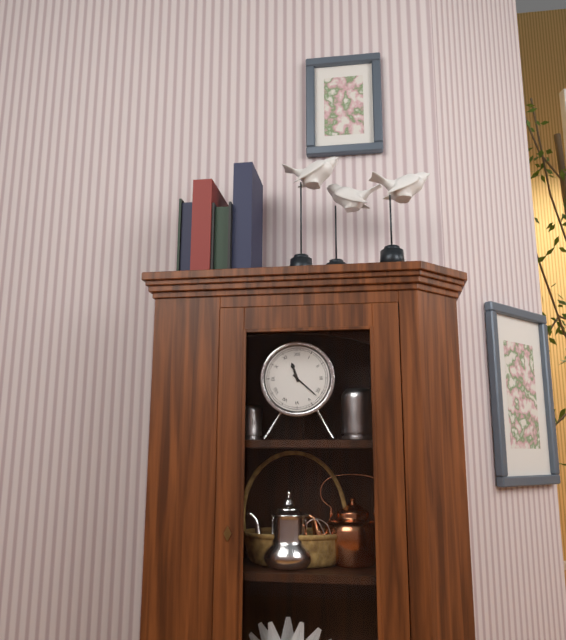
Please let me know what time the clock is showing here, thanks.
11:22
